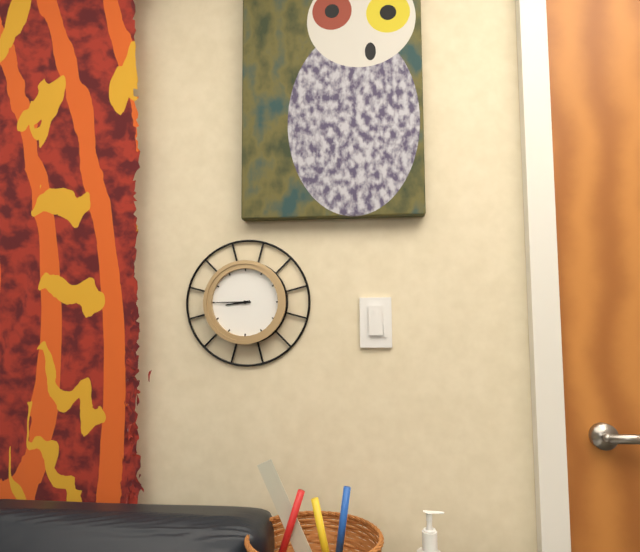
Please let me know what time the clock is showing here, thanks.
8:45
